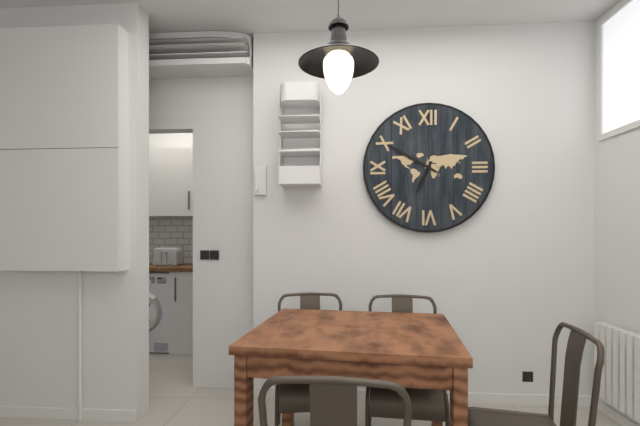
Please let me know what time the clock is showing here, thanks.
6:50
